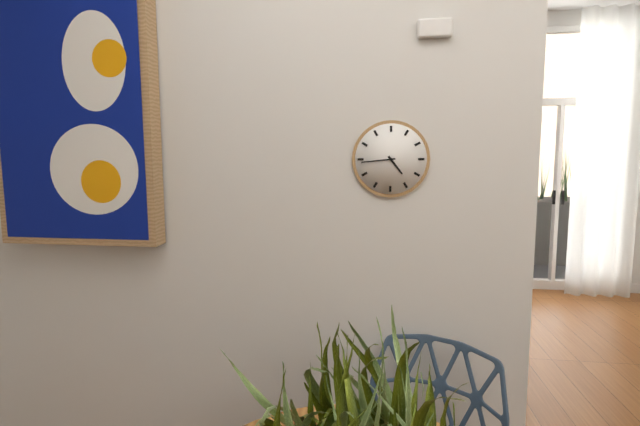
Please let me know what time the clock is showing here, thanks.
4:44
